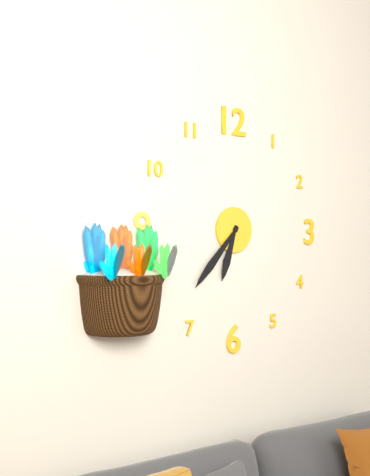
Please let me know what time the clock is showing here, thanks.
6:37
